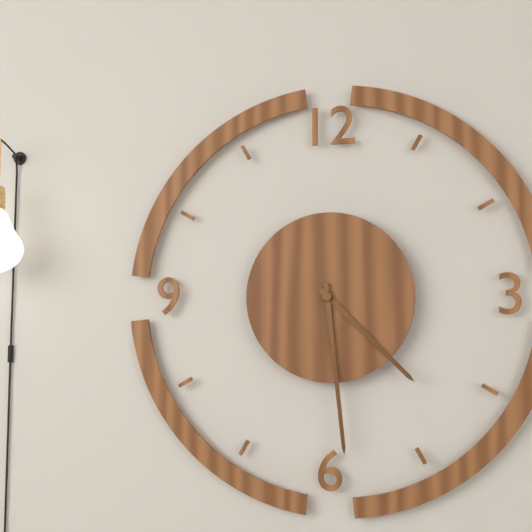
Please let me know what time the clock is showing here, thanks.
4:29
